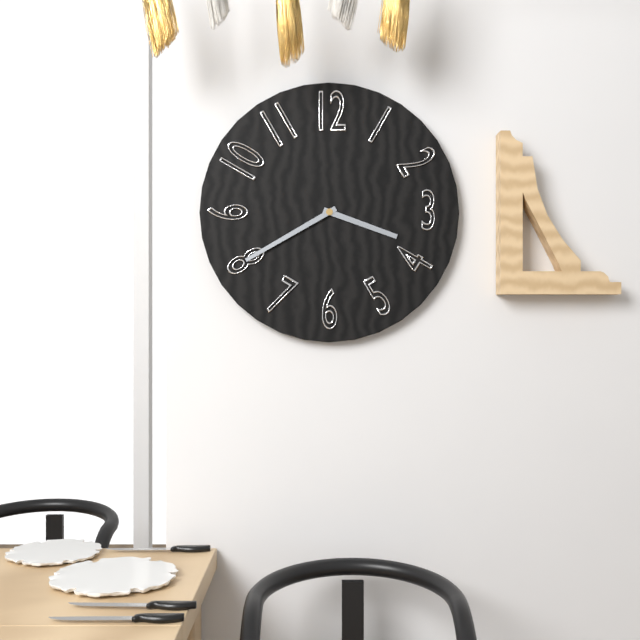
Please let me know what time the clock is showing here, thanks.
3:40
